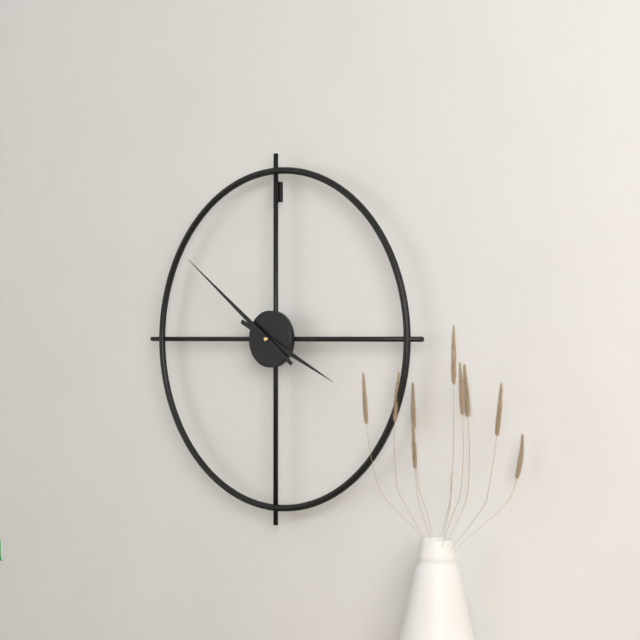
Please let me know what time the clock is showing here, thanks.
3:51
